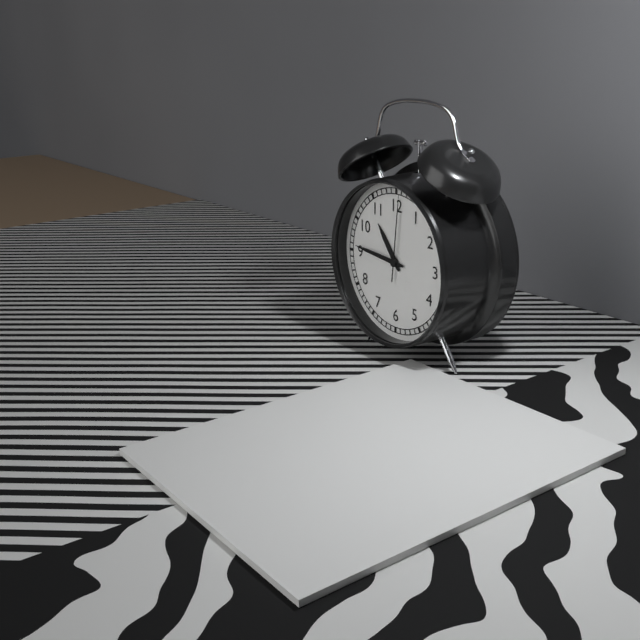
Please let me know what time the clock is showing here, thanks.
10:46:01
